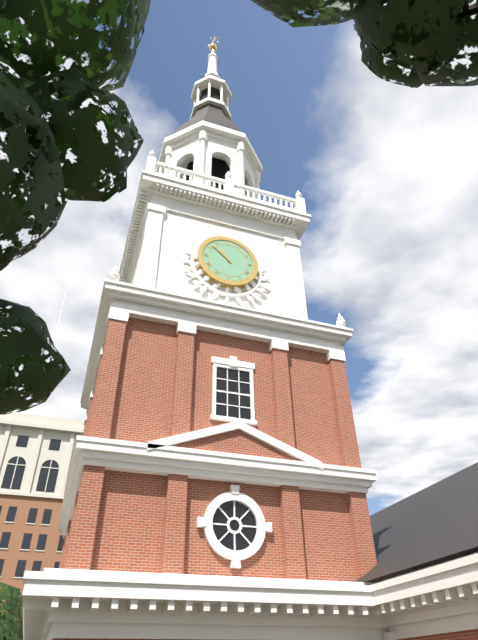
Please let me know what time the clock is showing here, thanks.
10:52
